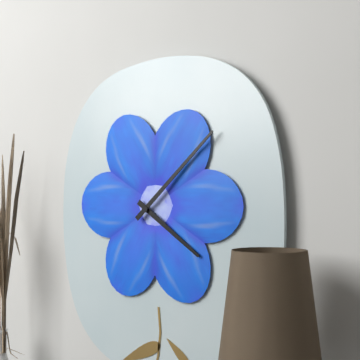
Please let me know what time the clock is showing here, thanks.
4:08
